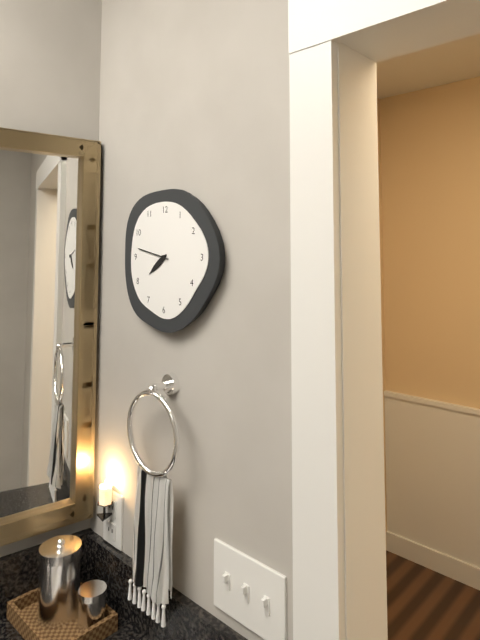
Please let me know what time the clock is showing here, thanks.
7:47
